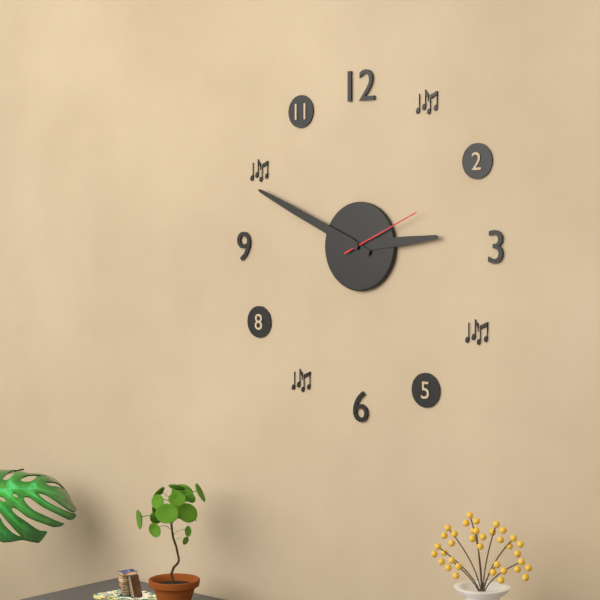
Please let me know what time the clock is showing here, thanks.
2:49:11
